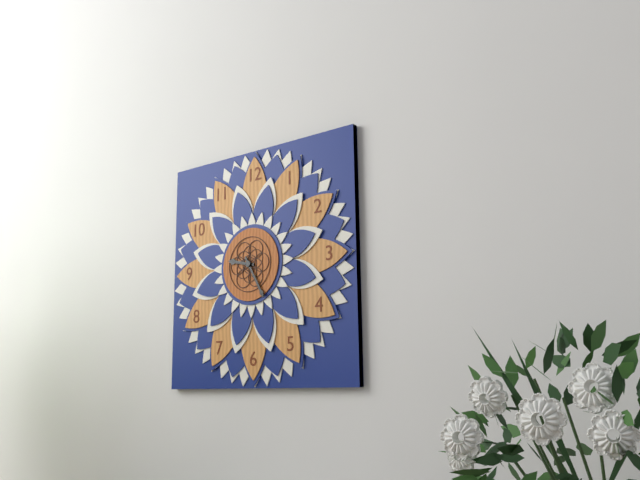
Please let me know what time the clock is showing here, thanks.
9:25
